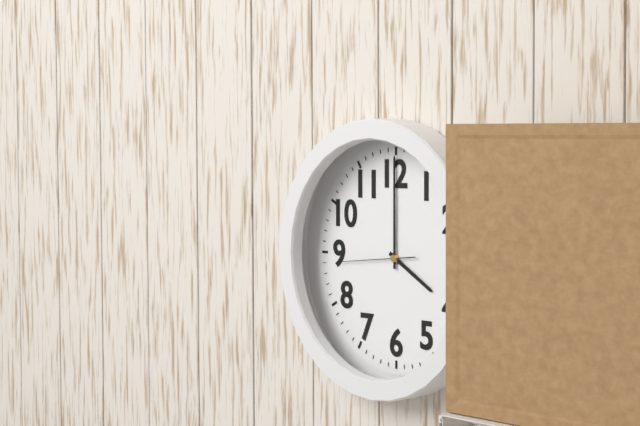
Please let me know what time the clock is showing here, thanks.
4:00:44
